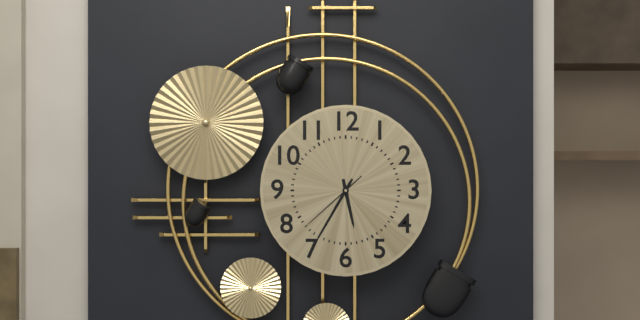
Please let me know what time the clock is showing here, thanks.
5:35:38
